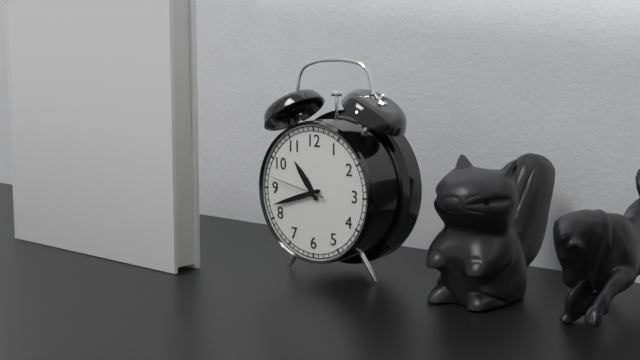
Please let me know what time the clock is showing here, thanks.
10:42:47
